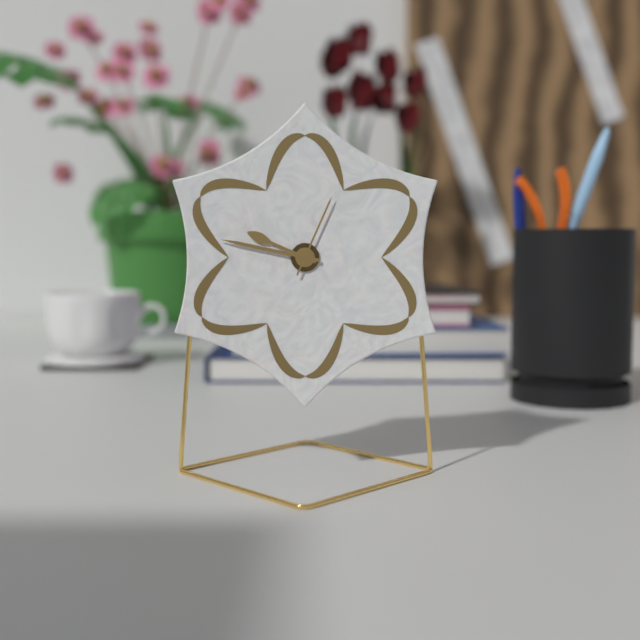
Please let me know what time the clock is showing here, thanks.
9:47:04
